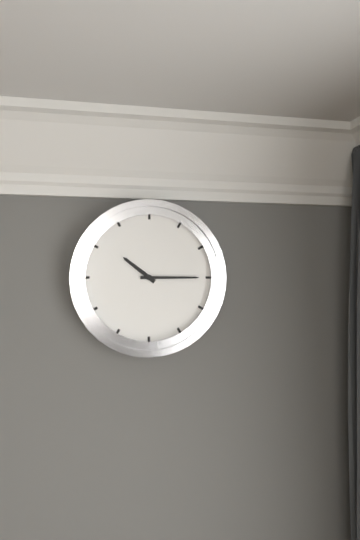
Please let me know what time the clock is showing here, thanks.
10:15
